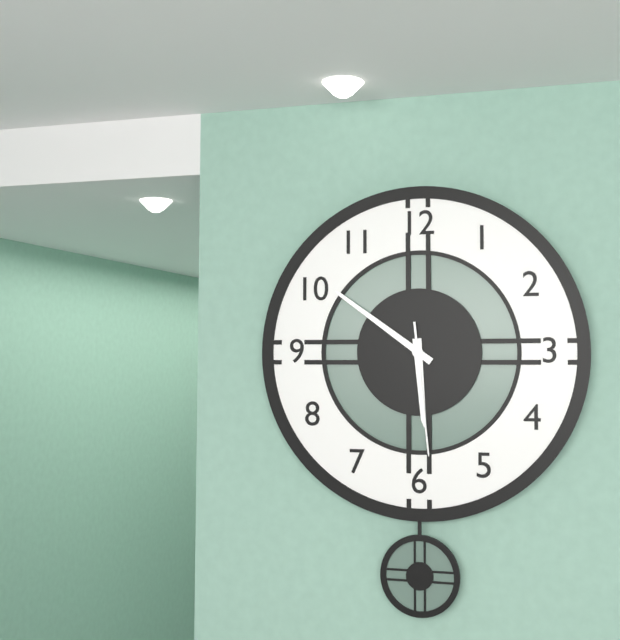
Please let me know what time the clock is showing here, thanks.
5:51:29
